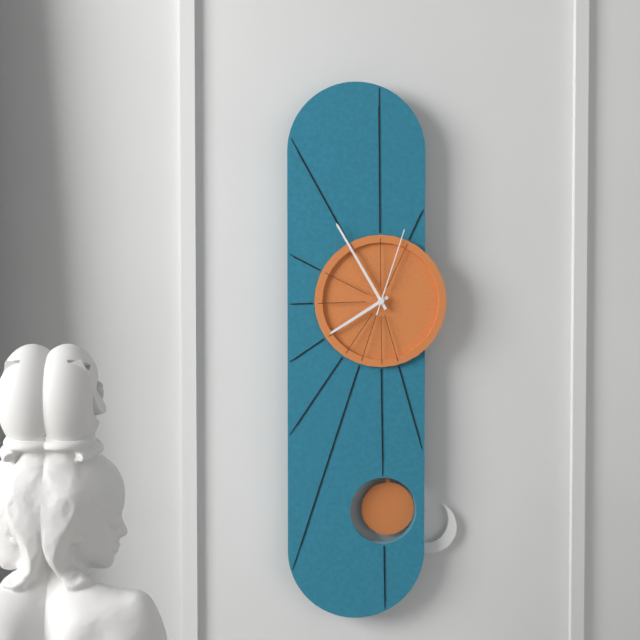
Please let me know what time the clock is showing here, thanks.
7:55:03
